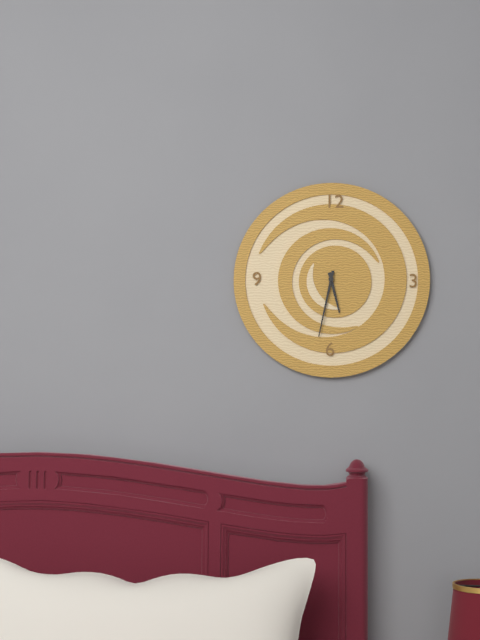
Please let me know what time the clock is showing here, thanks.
5:32
